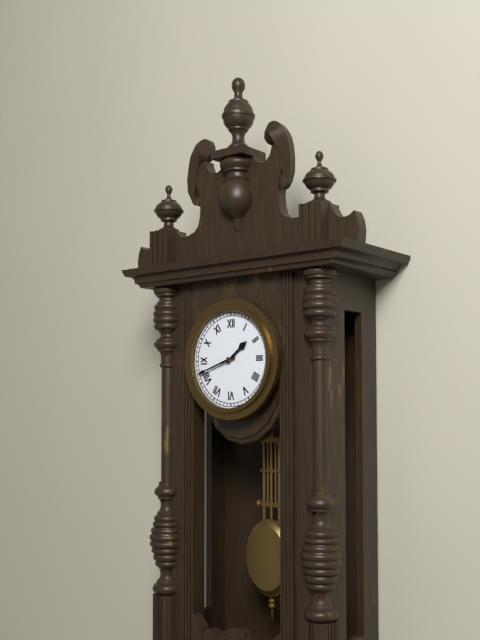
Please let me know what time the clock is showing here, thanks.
1:42
